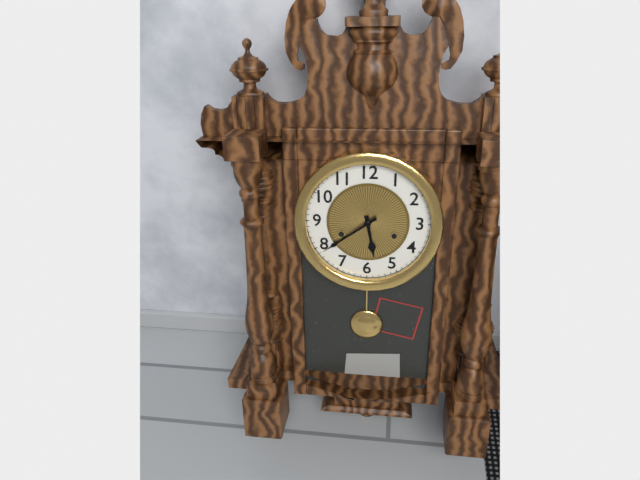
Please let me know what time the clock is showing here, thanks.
5:39
